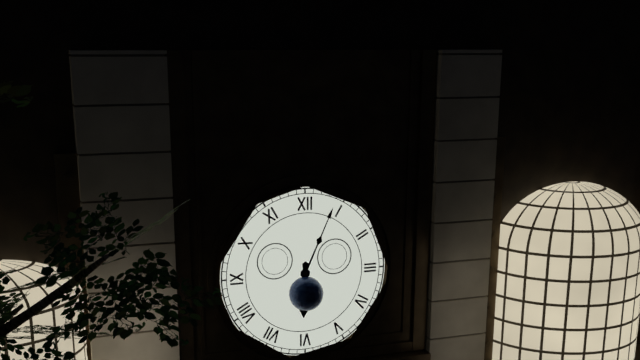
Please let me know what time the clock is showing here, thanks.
6:04
